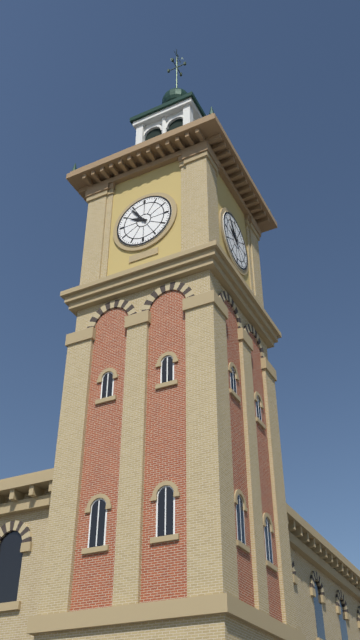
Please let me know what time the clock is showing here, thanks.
9:54
